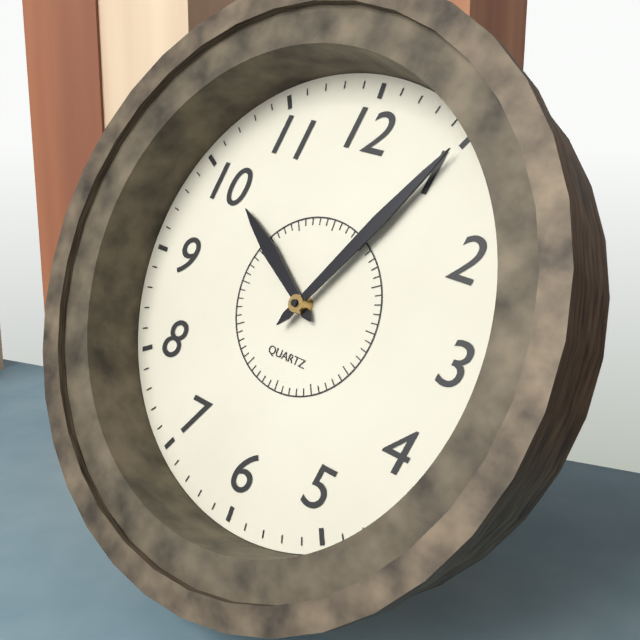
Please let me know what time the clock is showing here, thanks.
10:05
